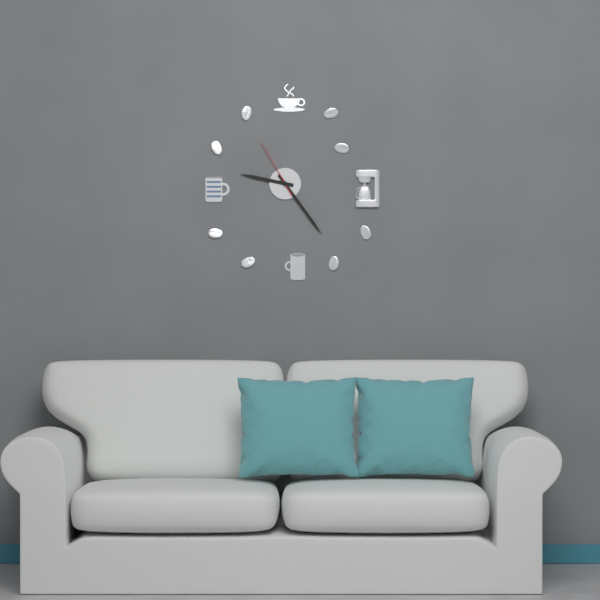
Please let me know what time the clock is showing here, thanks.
9:24:55
